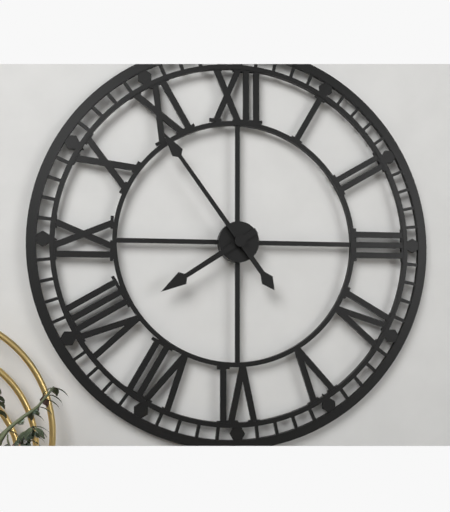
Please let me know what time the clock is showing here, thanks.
7:54
